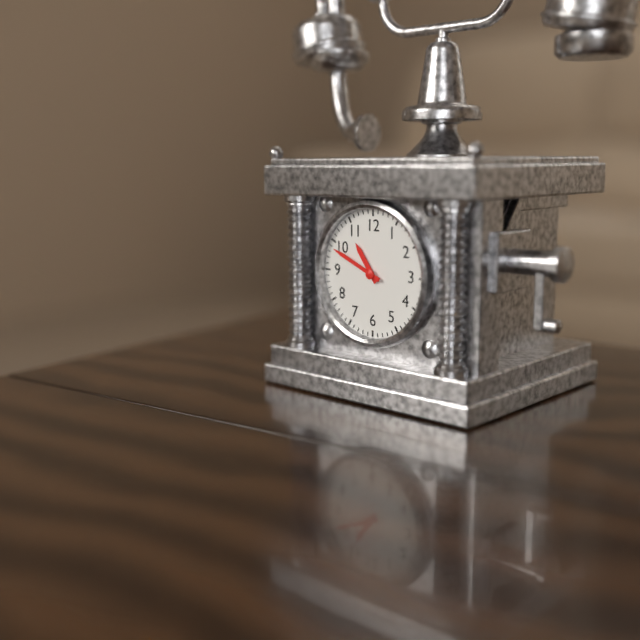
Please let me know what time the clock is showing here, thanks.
10:49
